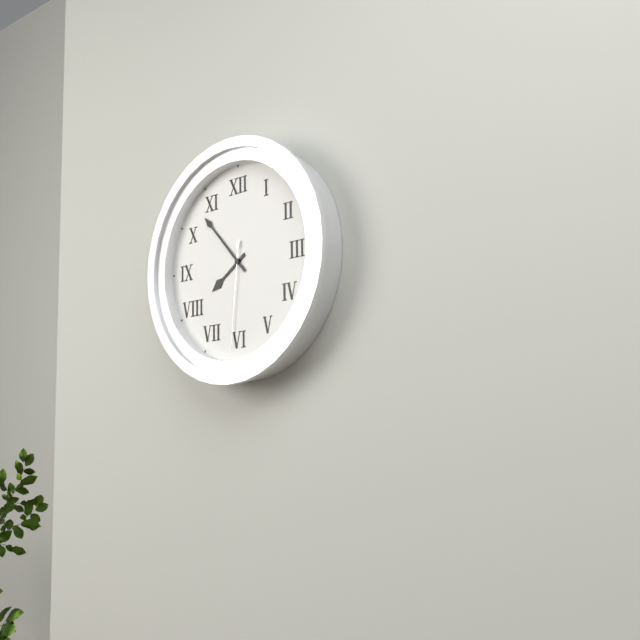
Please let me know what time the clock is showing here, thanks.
7:53:31
